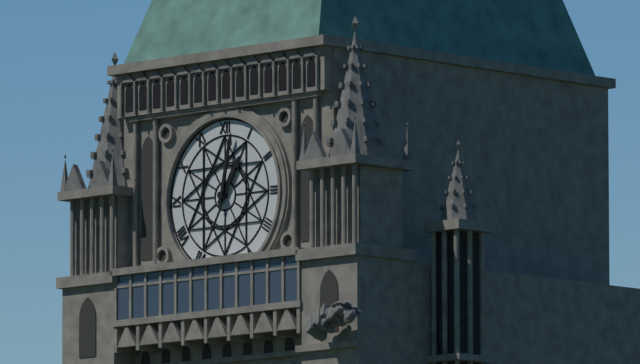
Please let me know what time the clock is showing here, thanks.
1:02
